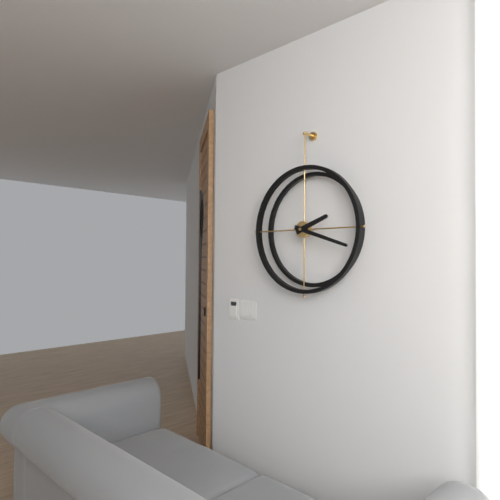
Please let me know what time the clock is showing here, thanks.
2:18
